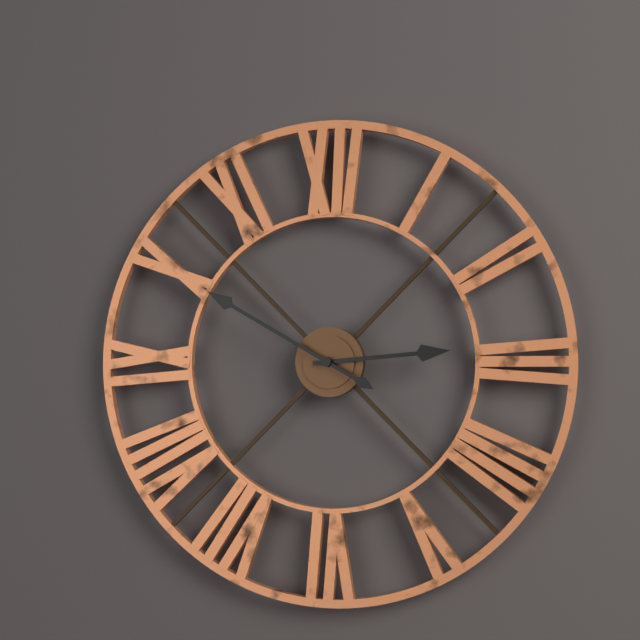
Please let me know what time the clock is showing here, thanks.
2:50
